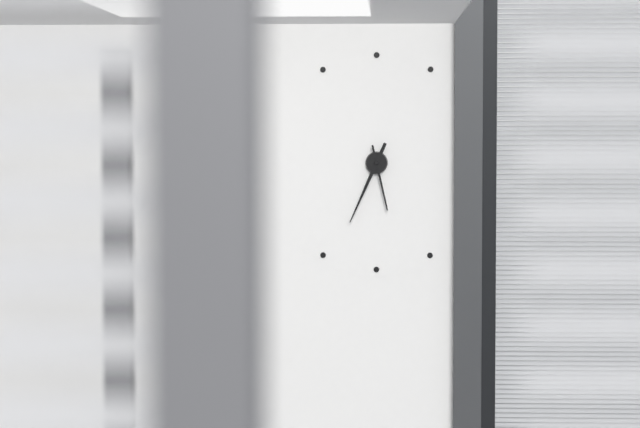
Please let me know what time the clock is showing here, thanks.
5:34
